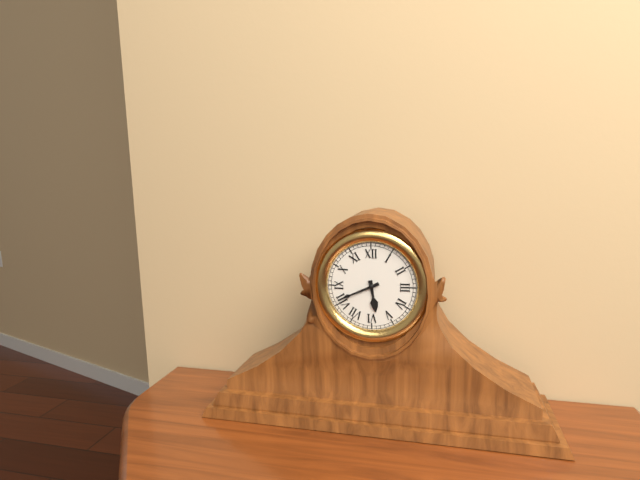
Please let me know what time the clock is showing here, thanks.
5:41
